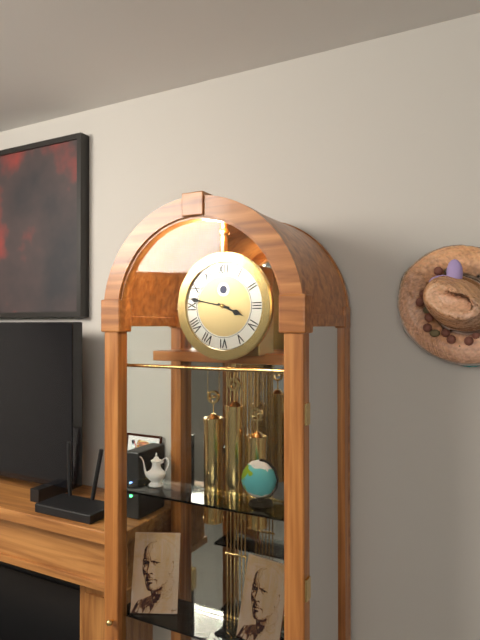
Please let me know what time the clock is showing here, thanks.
3:47
